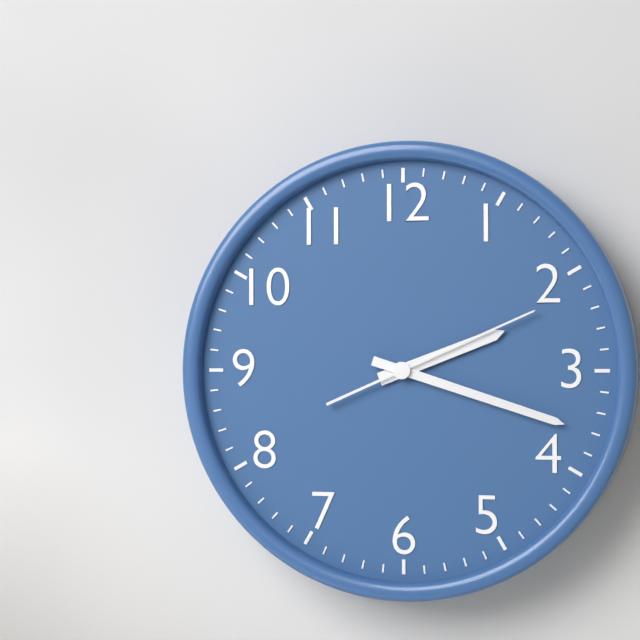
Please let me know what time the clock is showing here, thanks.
2:18:11
